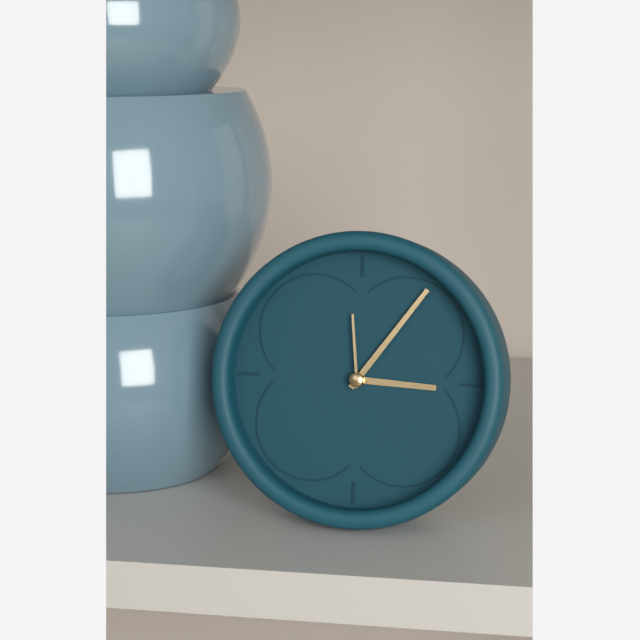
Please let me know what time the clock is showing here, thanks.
3:06:59
